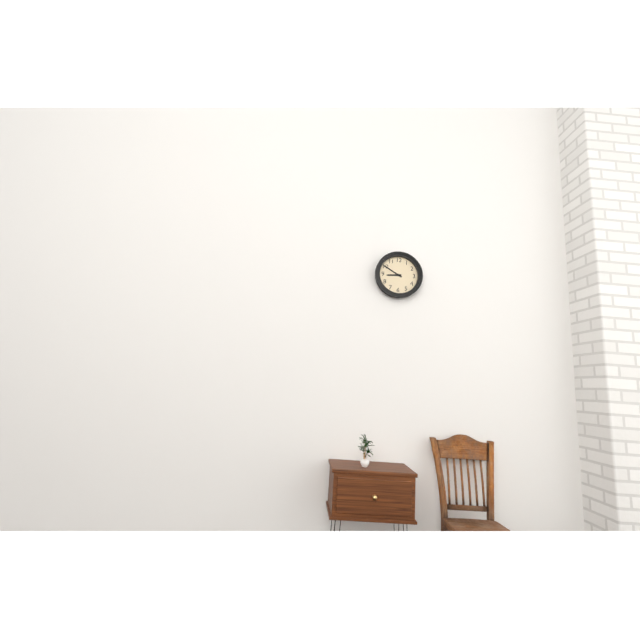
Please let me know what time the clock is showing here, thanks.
8:50
